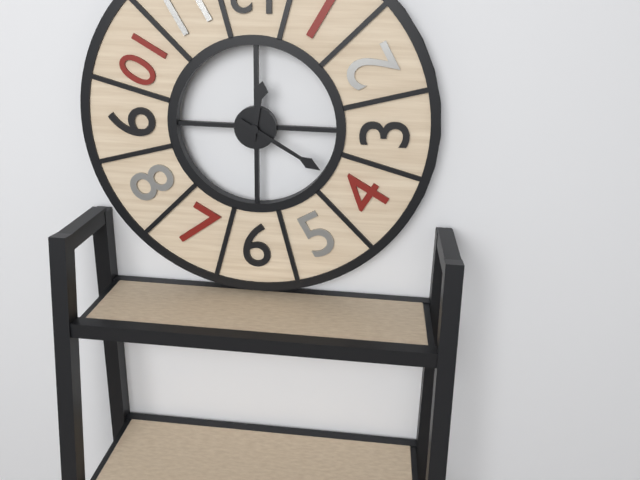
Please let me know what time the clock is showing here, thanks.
12:20
